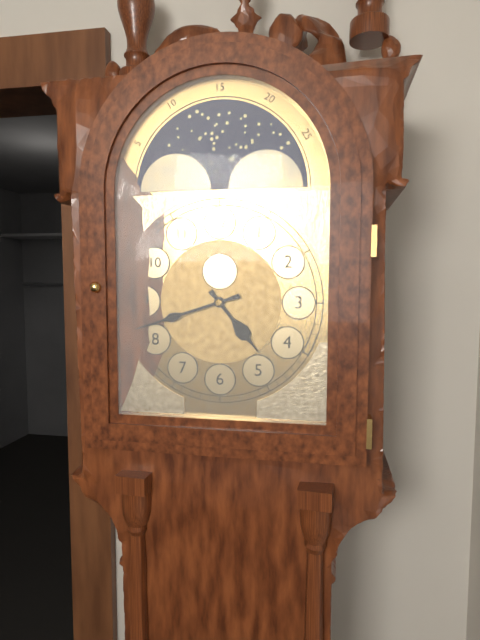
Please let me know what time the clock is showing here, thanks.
4:42
